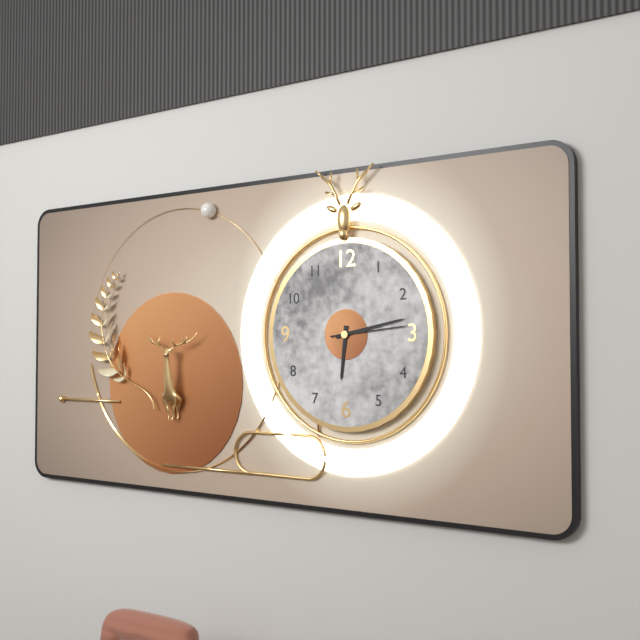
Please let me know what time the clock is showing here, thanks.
6:13:14
